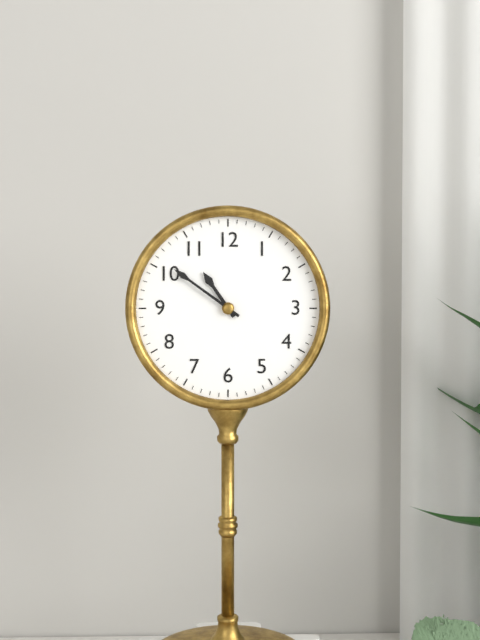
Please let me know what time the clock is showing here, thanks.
10:51
